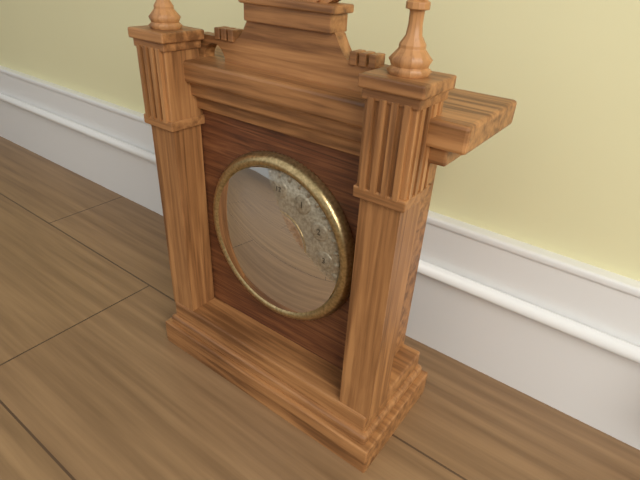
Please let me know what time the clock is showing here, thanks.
5:38
